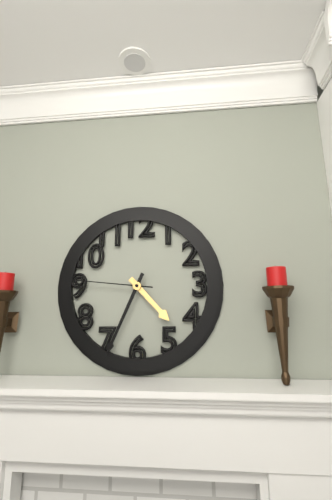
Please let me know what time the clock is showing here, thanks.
4:34:46
